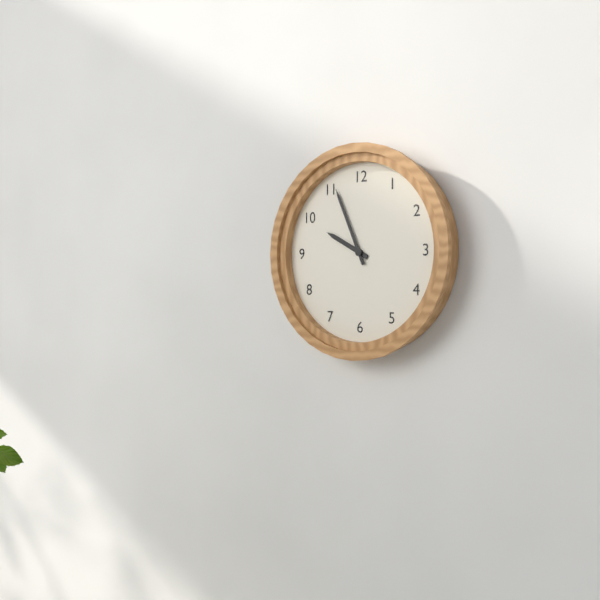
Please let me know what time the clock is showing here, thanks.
9:56
